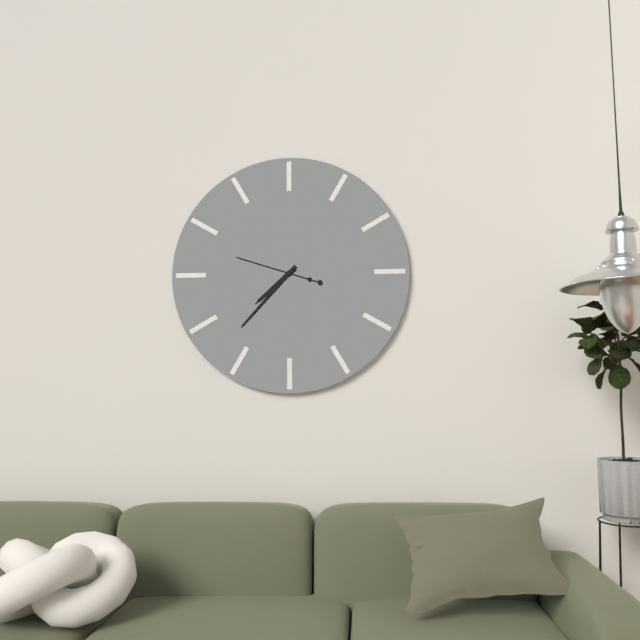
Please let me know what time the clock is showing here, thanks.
7:37:48
